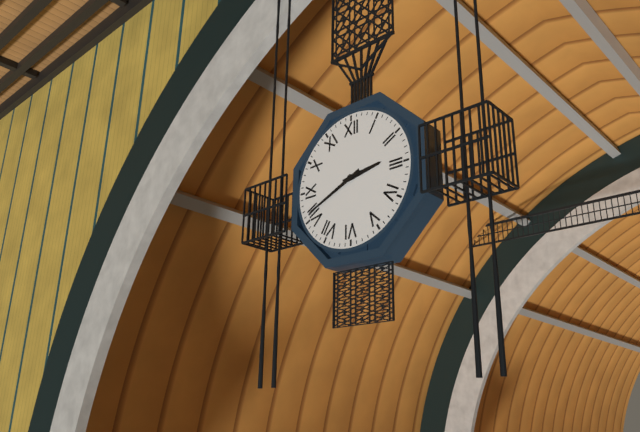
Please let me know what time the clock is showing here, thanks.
2:41
